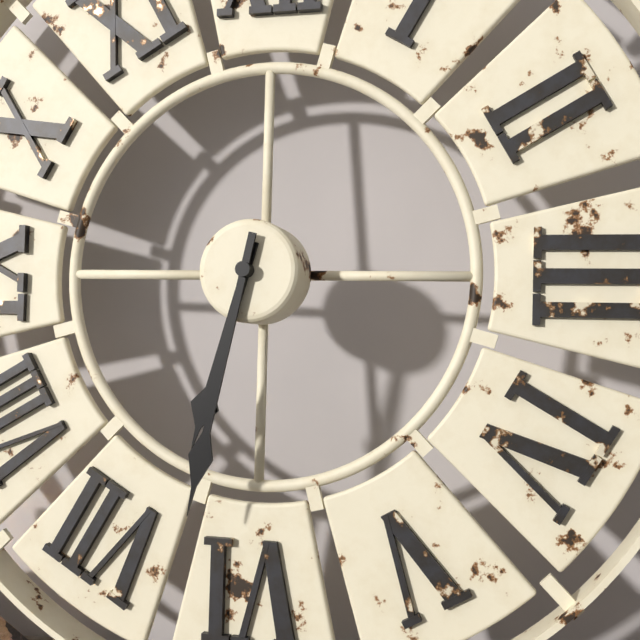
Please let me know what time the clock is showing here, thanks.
6:32
